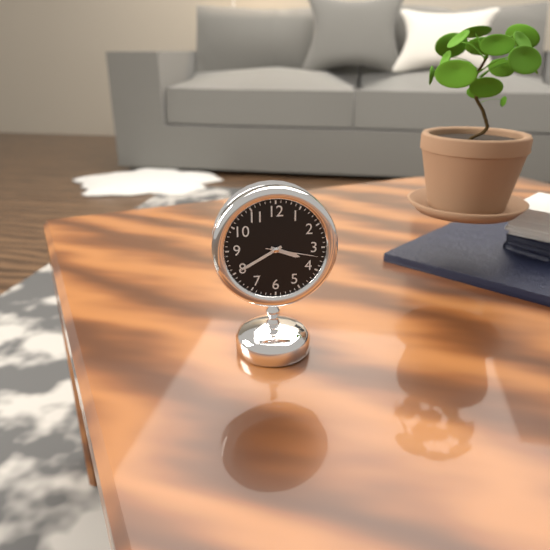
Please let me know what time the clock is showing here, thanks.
3:40:17
